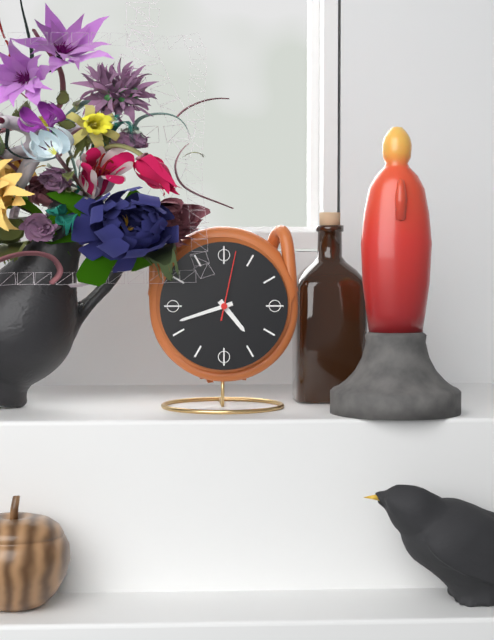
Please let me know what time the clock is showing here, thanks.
4:42:02
